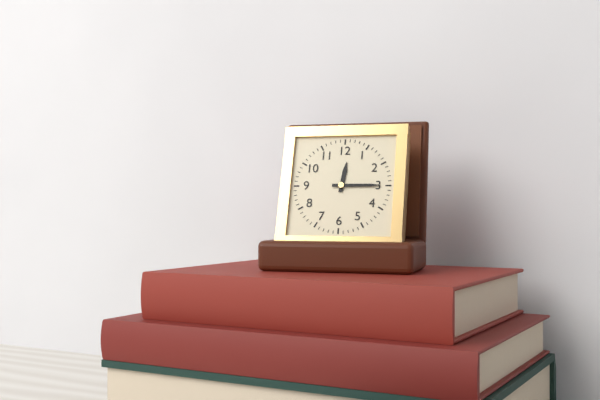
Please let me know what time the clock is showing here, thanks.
12:15
